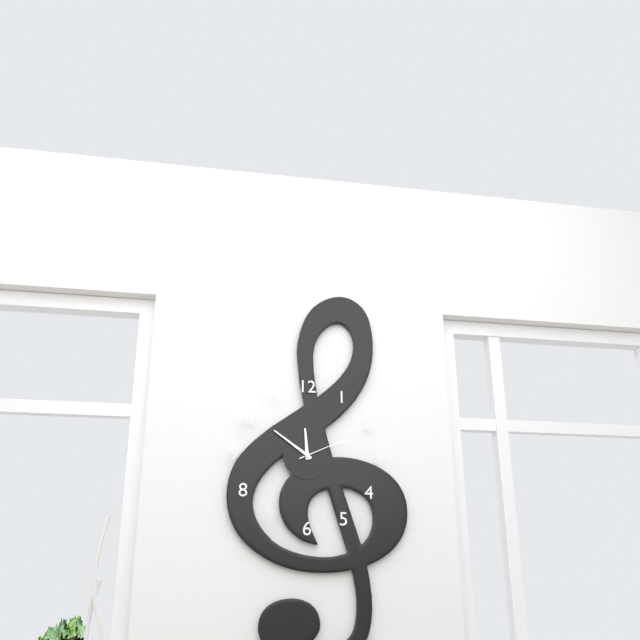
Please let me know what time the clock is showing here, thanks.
11:51
